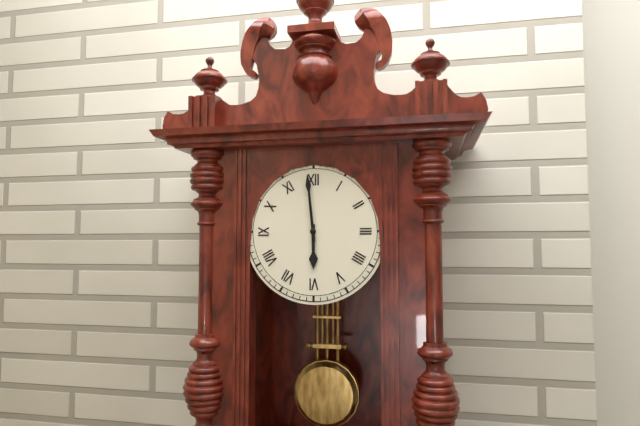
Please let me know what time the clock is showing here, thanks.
5:59
